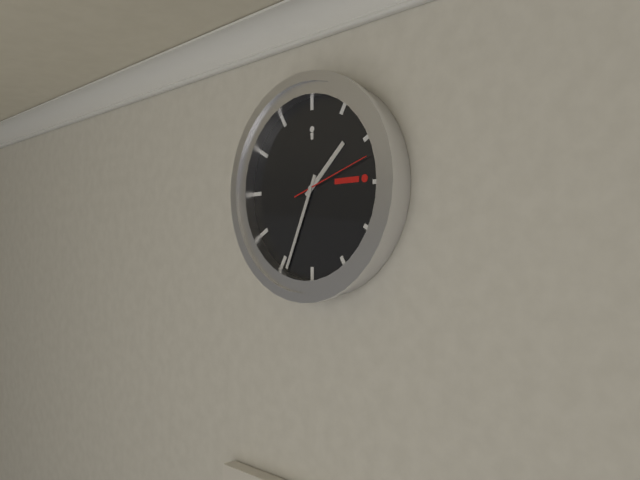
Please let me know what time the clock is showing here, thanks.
1:34:12
